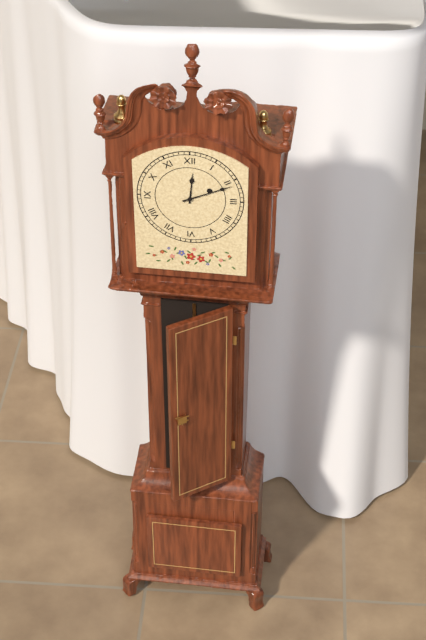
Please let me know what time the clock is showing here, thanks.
12:11
